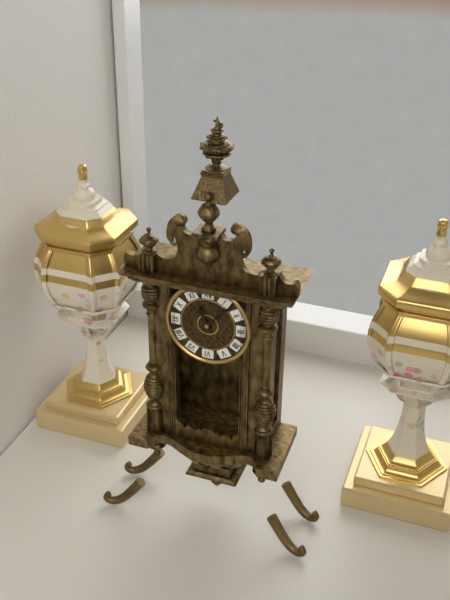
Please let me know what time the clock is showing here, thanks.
11:07
